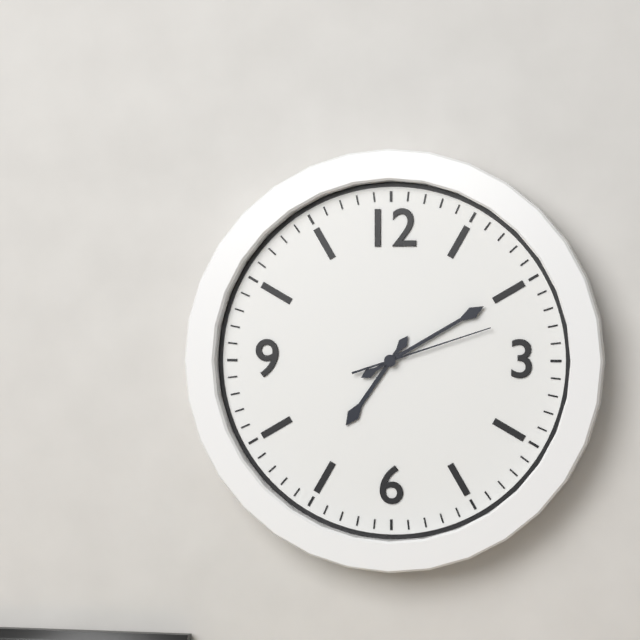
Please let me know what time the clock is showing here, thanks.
7:10:12
